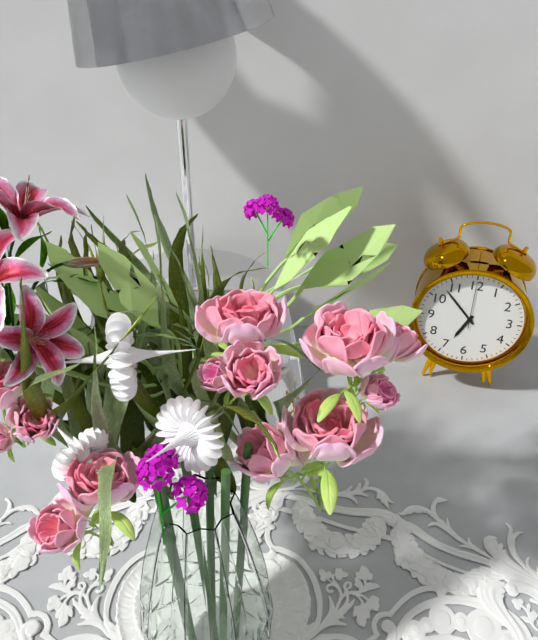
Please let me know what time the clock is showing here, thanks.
6:53:00
